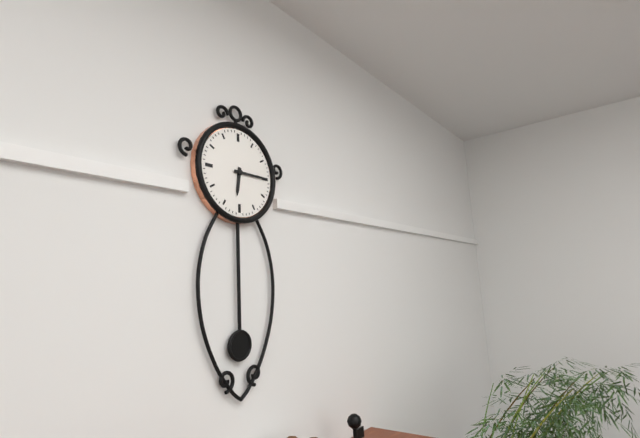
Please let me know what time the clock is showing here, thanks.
6:15
